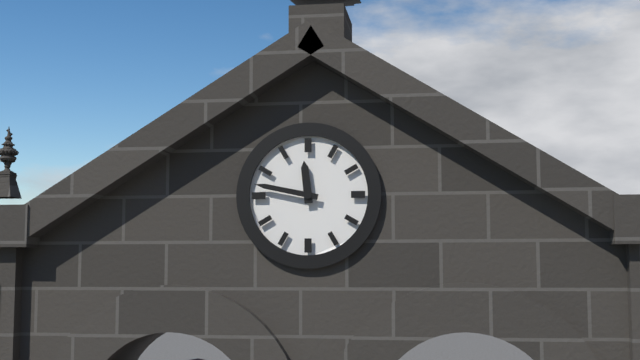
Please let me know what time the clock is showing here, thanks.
11:47
